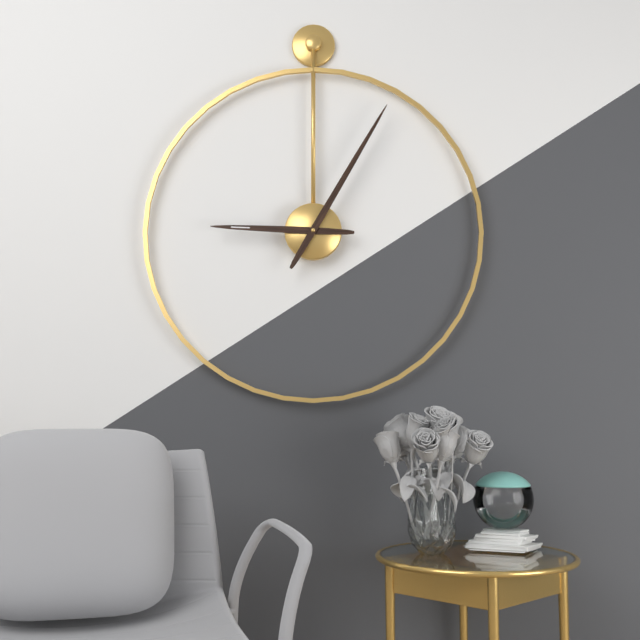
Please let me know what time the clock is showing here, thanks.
9:05
